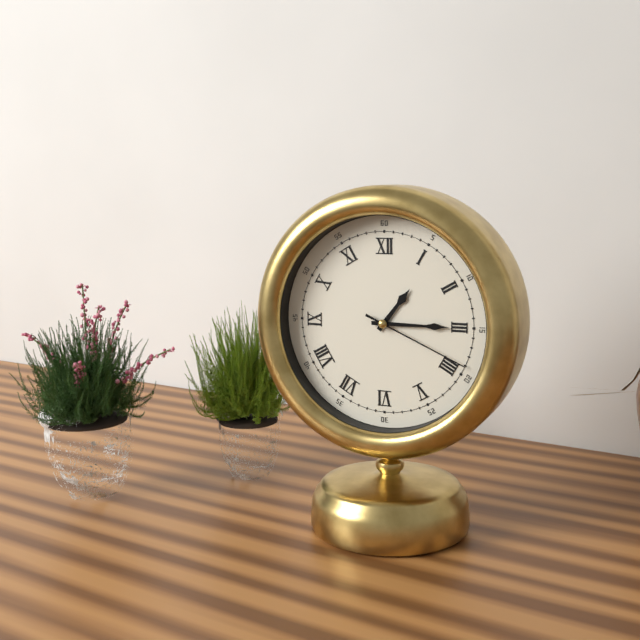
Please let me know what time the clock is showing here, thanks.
1:15:19
